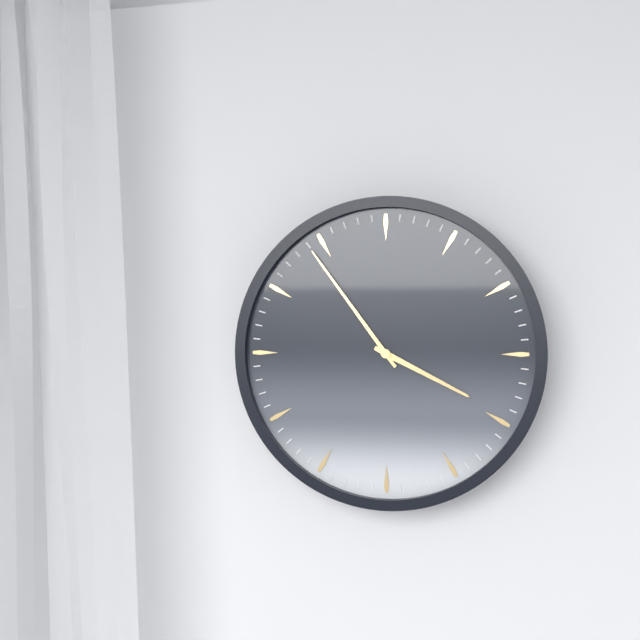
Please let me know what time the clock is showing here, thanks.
3:54
